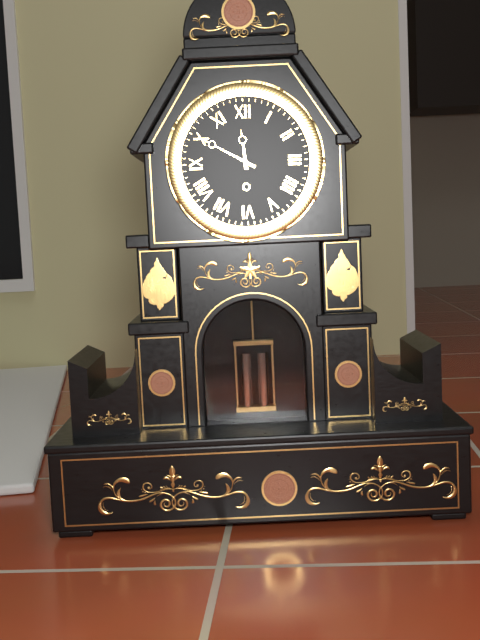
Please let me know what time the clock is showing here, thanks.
11:50
